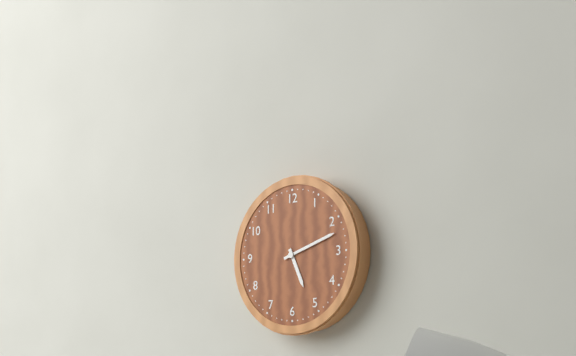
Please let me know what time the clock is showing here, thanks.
5:12
